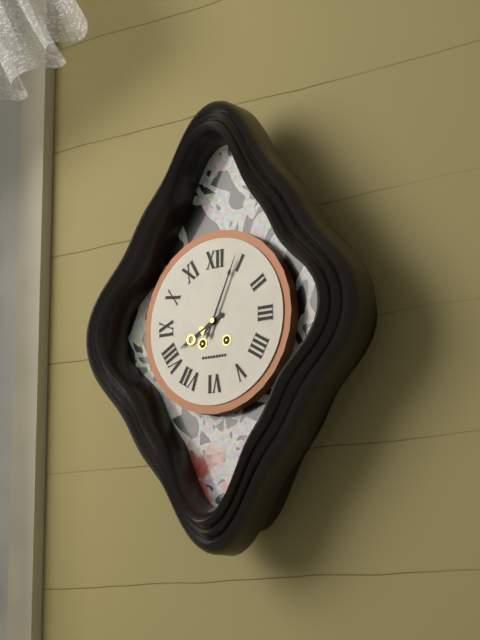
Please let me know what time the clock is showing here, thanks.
8:04
